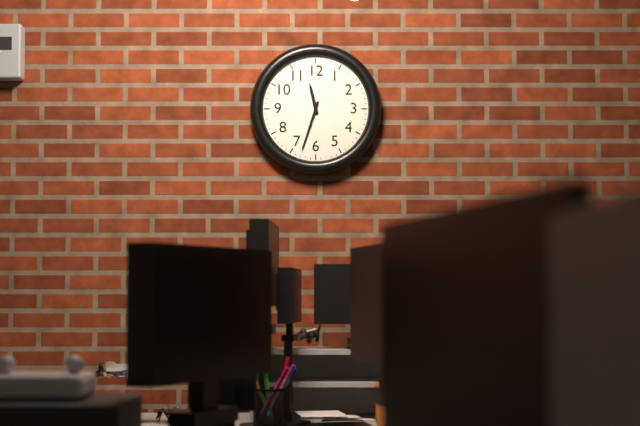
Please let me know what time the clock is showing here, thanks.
11:33
